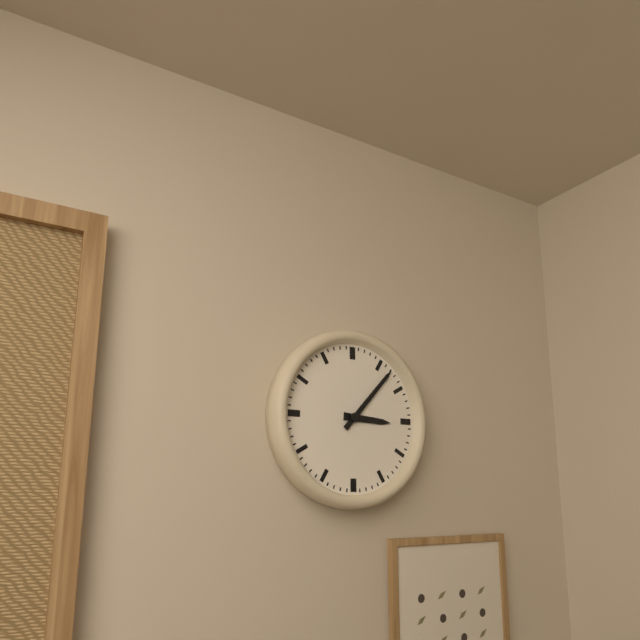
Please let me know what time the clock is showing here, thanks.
3:07
